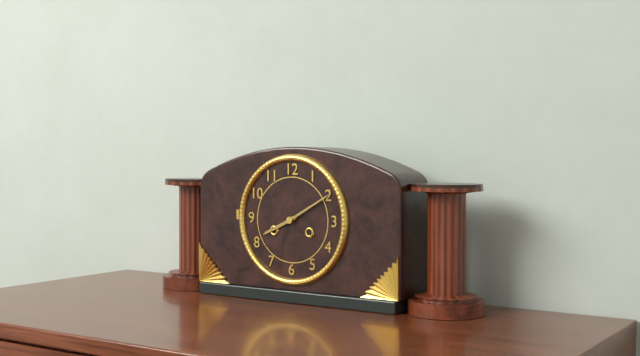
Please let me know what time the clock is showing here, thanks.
8:10
